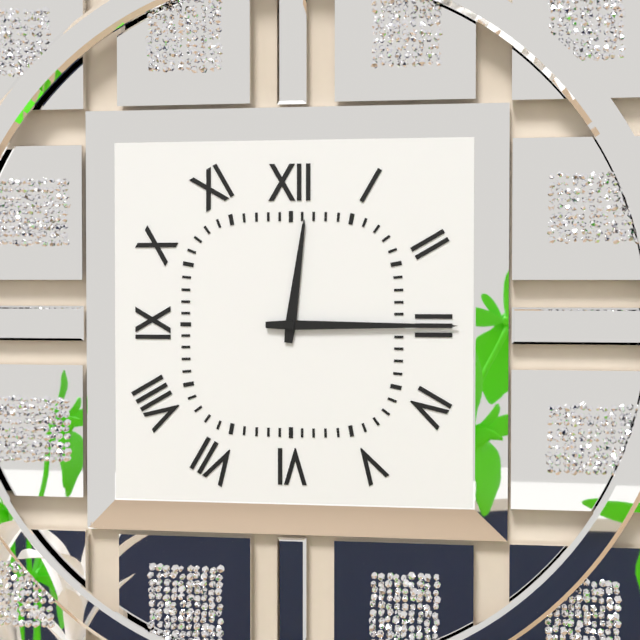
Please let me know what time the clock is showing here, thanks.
12:15
